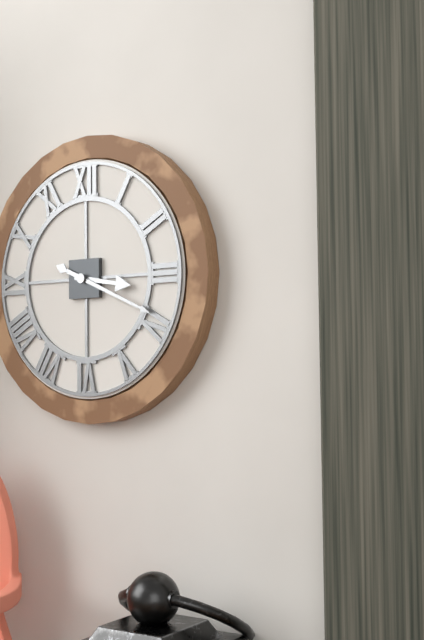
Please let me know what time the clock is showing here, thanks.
3:19
